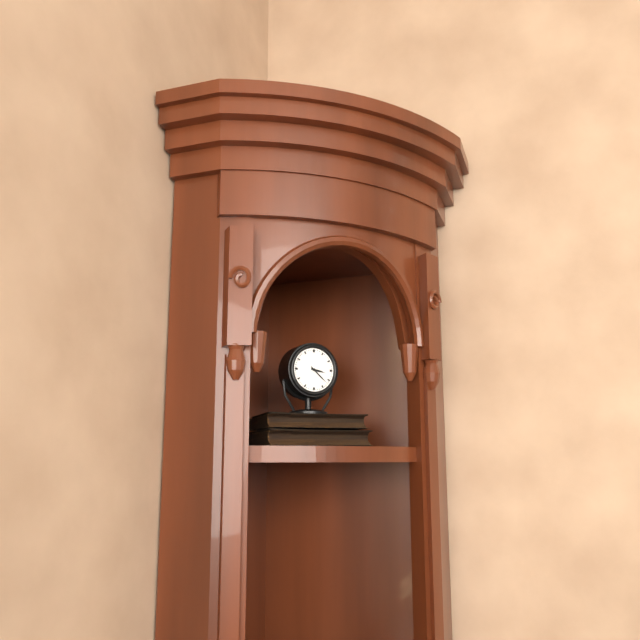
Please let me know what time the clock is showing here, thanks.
3:22
